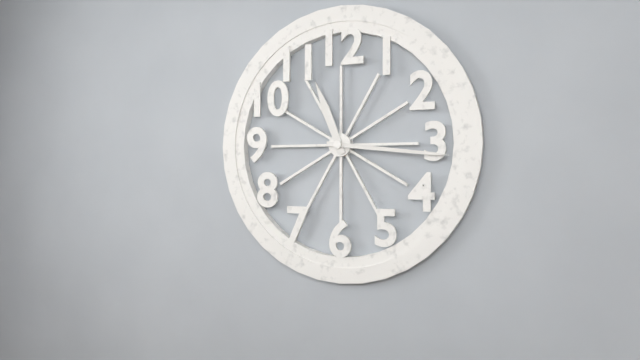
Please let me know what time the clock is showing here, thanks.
11:16
